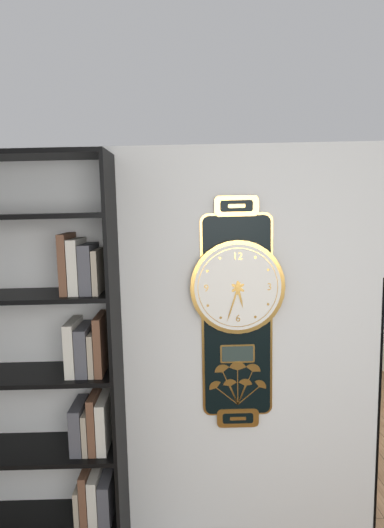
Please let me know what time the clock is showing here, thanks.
5:33
